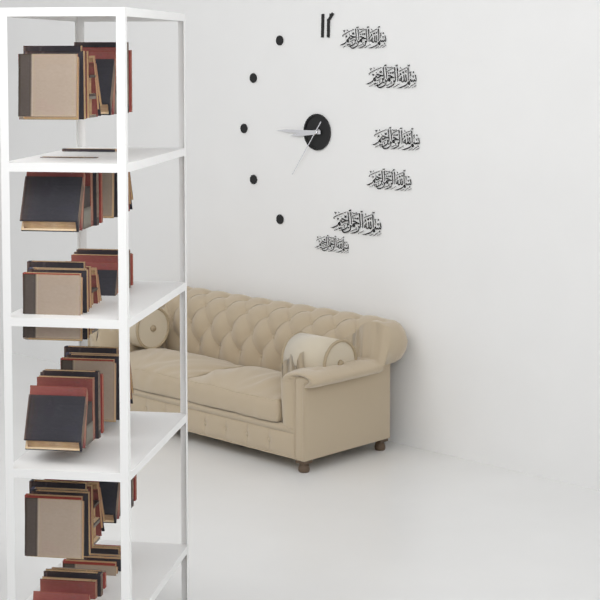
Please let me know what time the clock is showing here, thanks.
8:45:36
